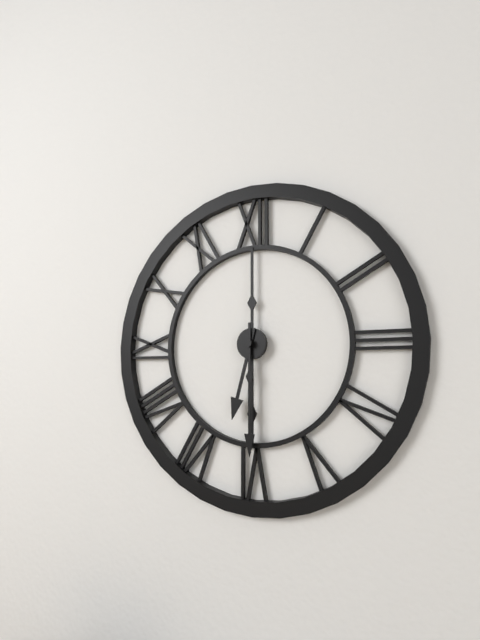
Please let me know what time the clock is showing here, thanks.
6:30
